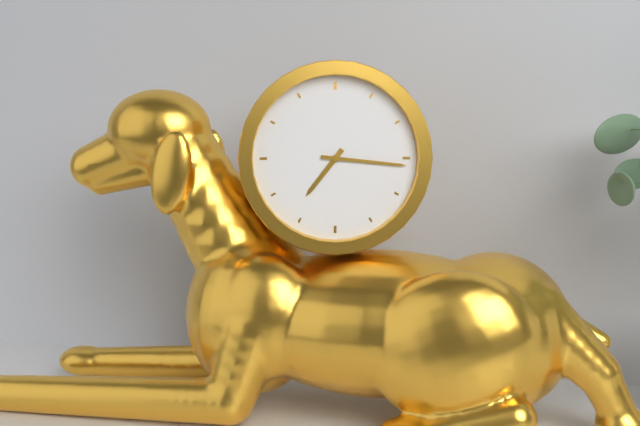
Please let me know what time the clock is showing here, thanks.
7:16
